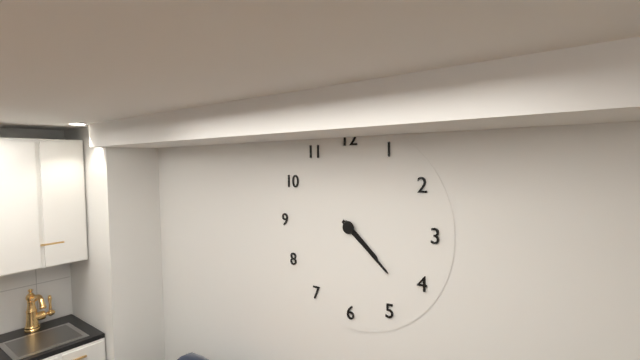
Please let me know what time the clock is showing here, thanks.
4:22
